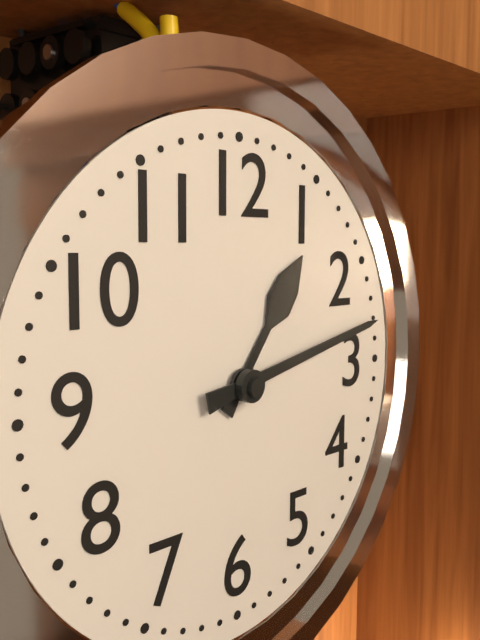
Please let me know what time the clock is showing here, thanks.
1:13
